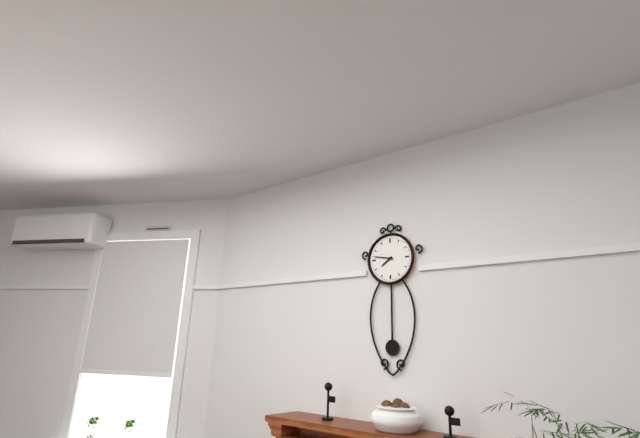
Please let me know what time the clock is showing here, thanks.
7:47
